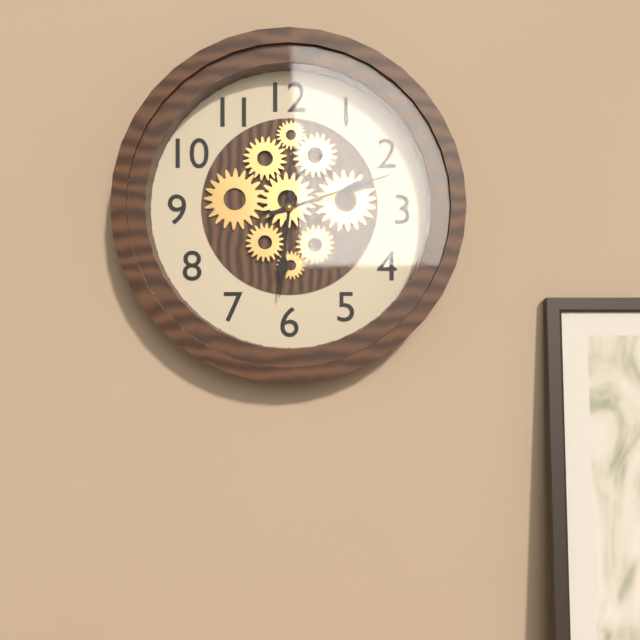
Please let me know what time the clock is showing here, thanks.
6:12
